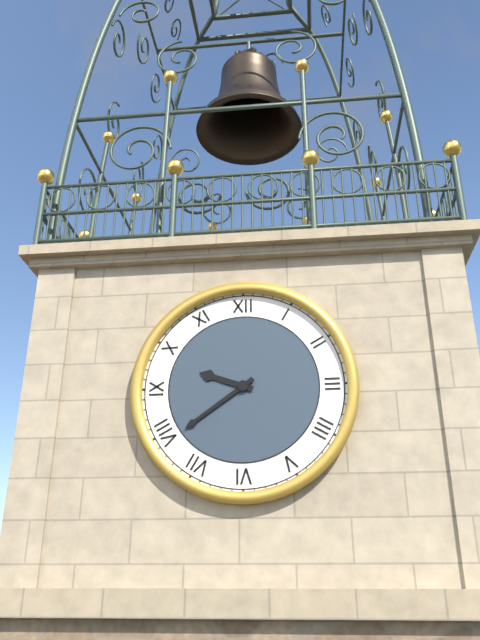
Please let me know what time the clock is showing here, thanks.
9:39
